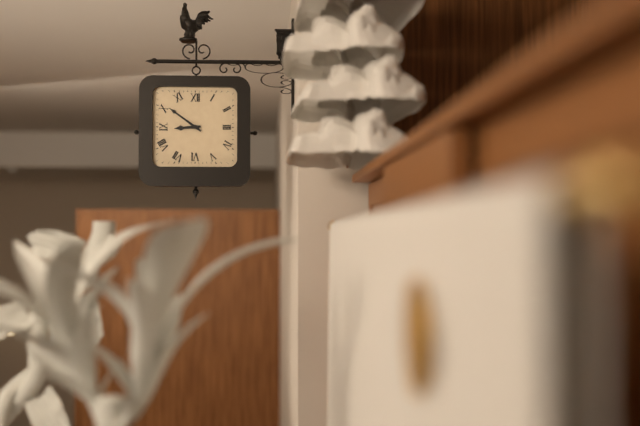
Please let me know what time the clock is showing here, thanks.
8:51
